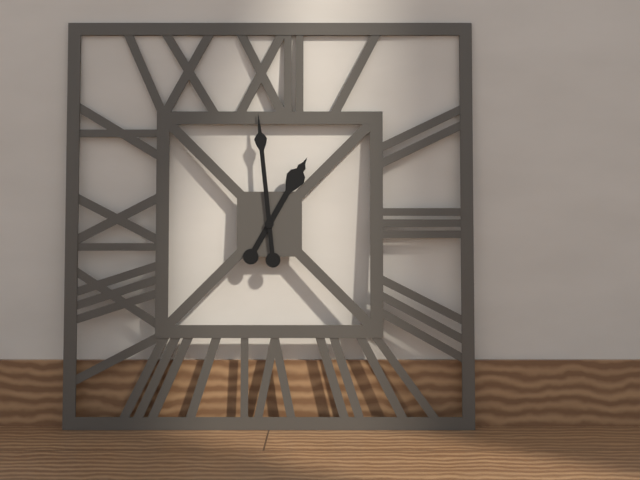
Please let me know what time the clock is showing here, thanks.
12:59
